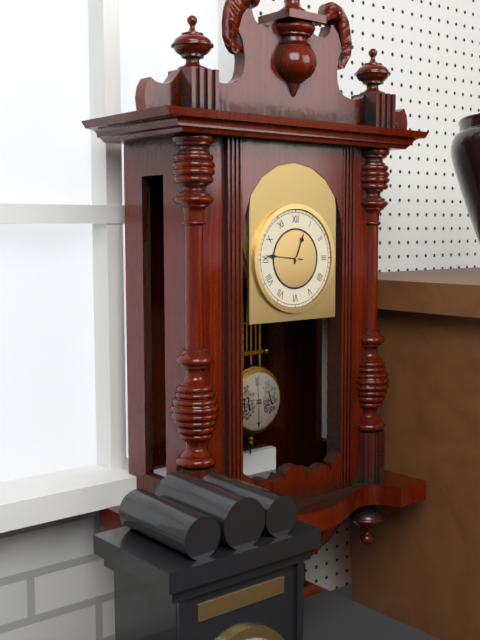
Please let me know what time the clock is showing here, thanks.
12:46
